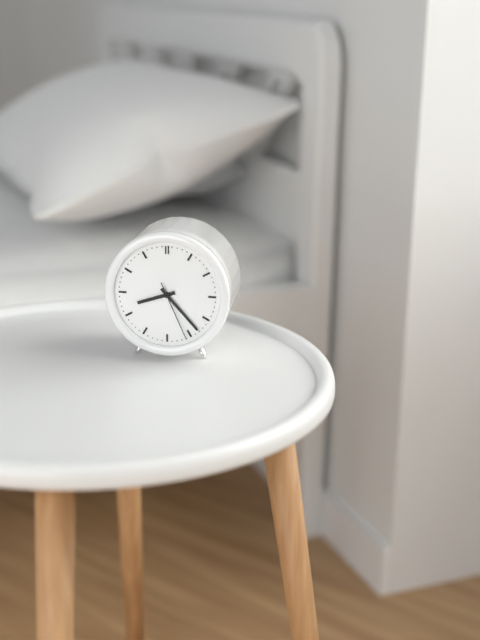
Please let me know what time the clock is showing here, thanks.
8:23:26
